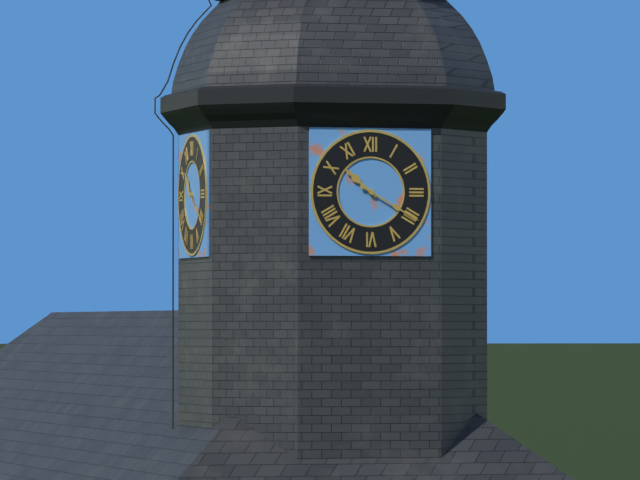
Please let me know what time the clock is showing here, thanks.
10:20
